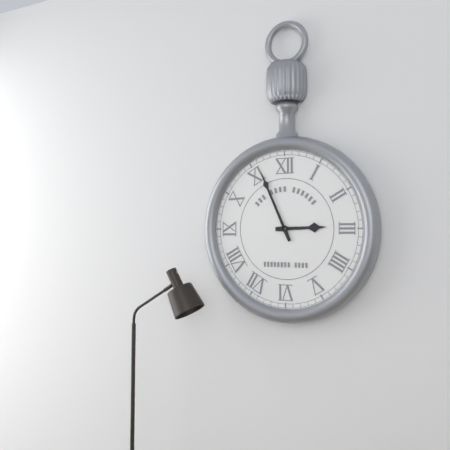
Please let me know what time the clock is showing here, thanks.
2:56
